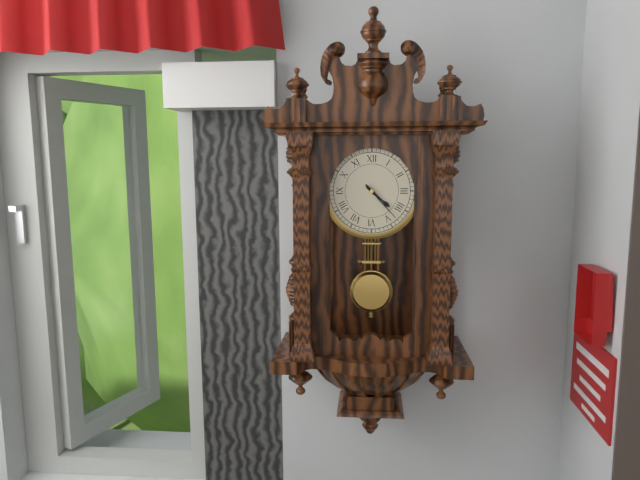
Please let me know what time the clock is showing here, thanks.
4:23
